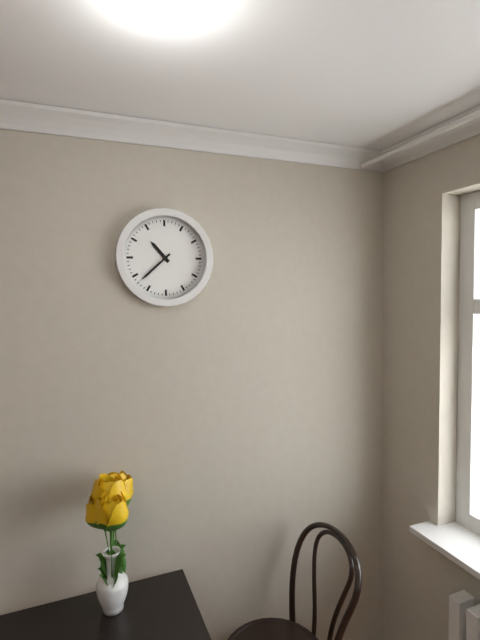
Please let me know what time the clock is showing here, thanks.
10:38
